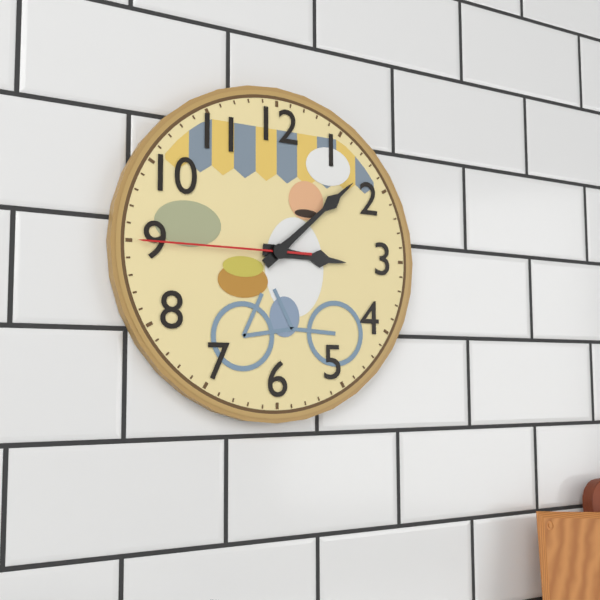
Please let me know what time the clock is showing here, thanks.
3:08:45
